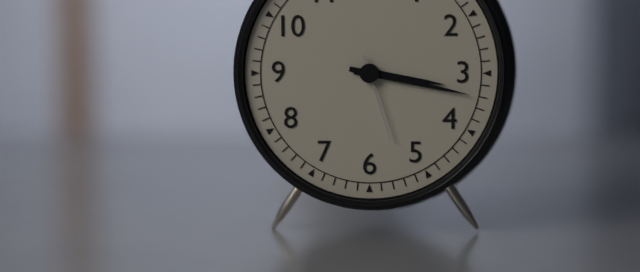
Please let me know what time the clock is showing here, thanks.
3:17:27
